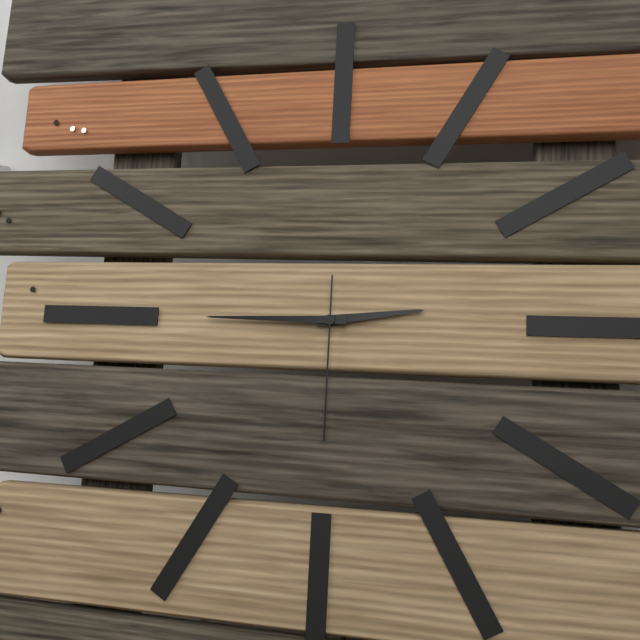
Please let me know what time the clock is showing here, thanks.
2:45:30
